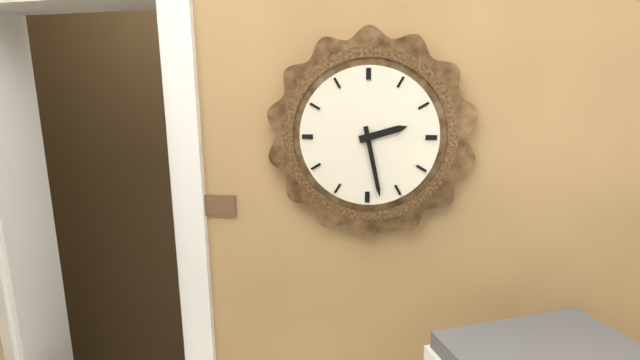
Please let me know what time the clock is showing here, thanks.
2:28
